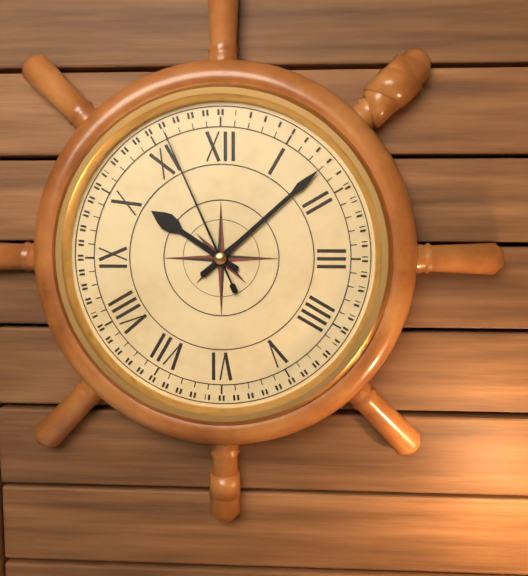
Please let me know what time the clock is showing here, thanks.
10:08:56
